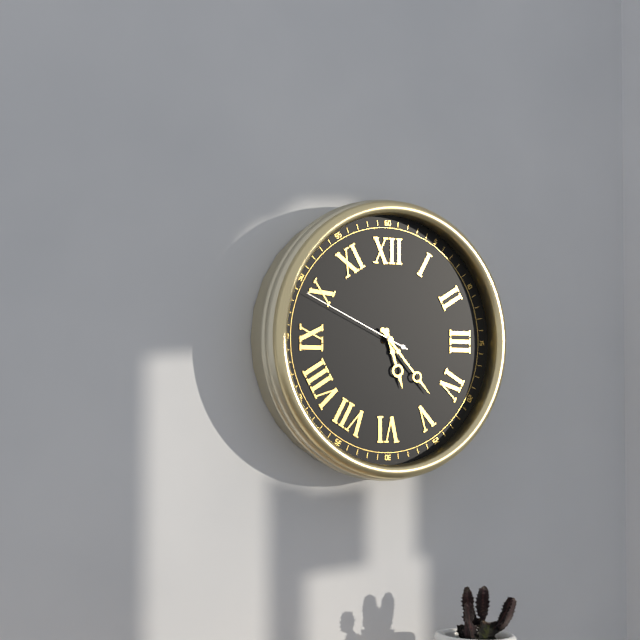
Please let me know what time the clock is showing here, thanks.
5:23:49
